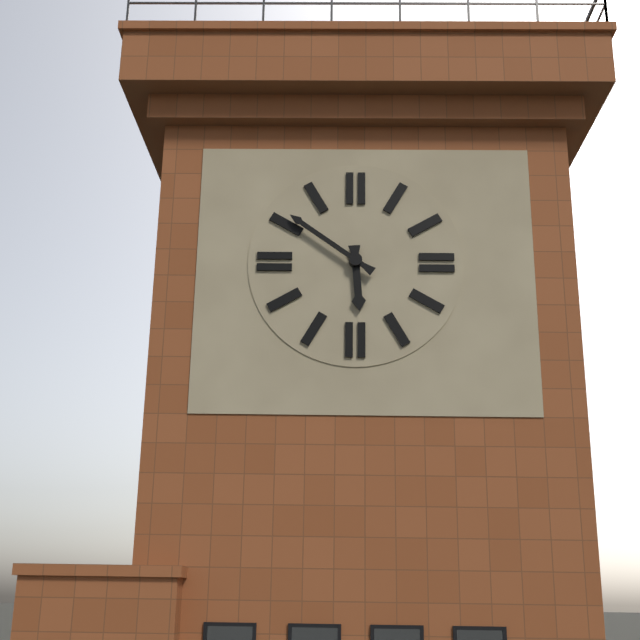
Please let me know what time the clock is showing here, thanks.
5:51
